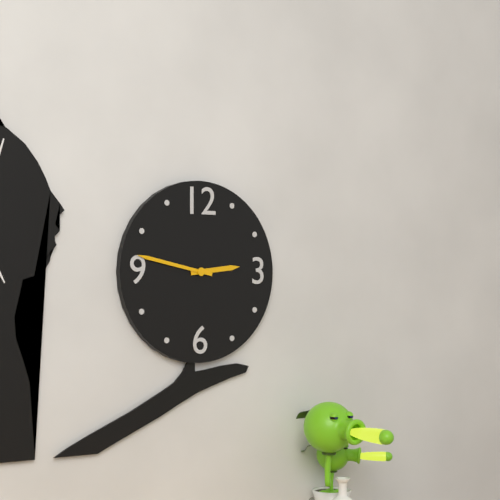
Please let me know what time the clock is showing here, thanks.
2:47
